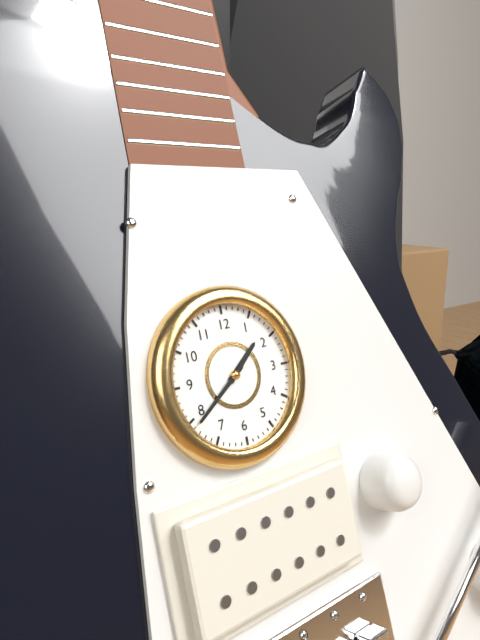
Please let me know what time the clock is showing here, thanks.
1:39
